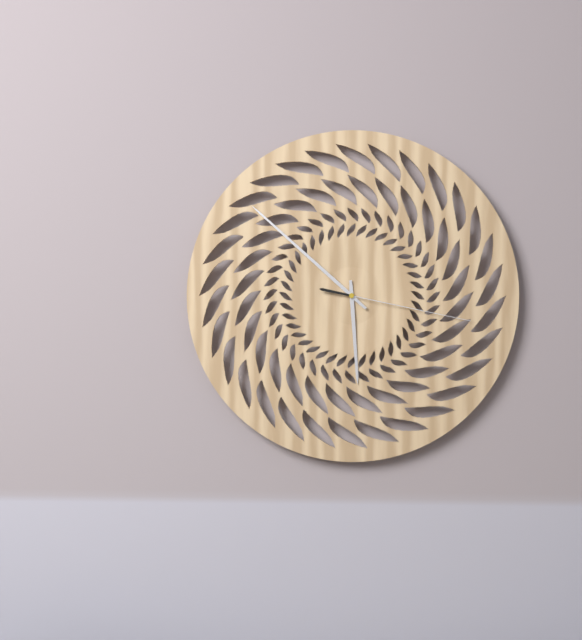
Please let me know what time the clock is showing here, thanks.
5:52:17
